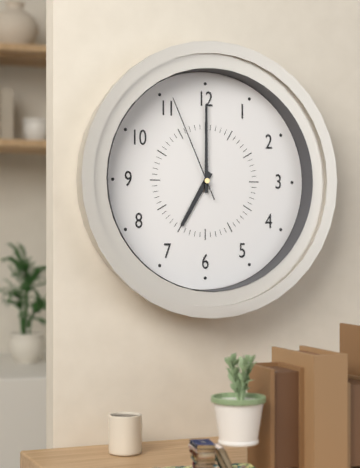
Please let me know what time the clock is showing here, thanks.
7:00:56
